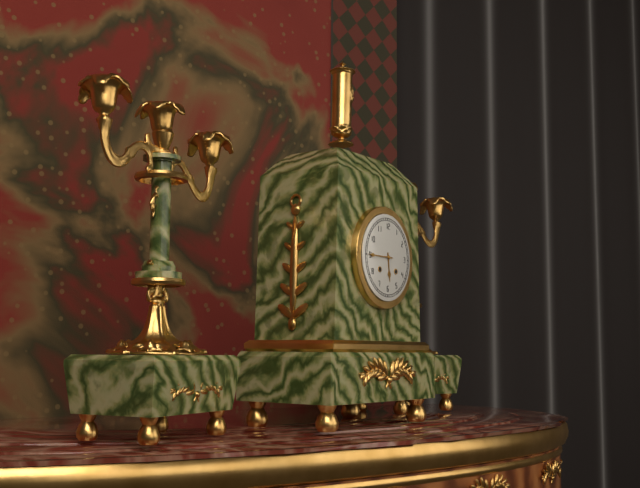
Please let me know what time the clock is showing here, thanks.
5:45
